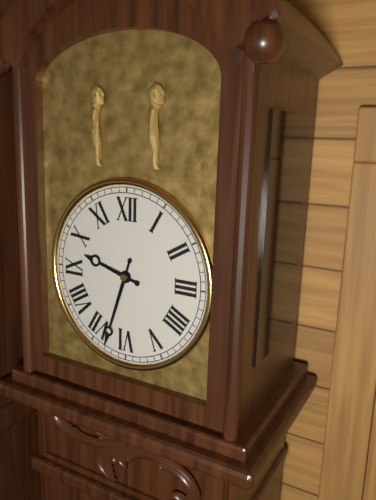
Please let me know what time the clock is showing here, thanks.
9:33
